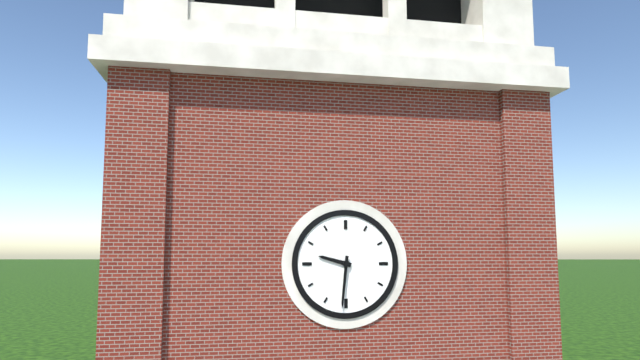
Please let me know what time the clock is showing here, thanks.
9:31
